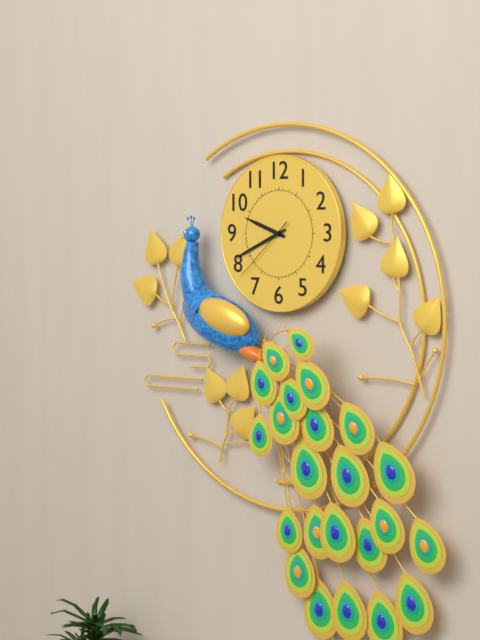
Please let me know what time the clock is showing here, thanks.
9:41:38
